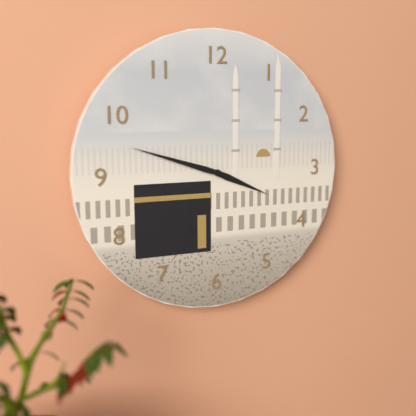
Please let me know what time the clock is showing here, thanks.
3:48
